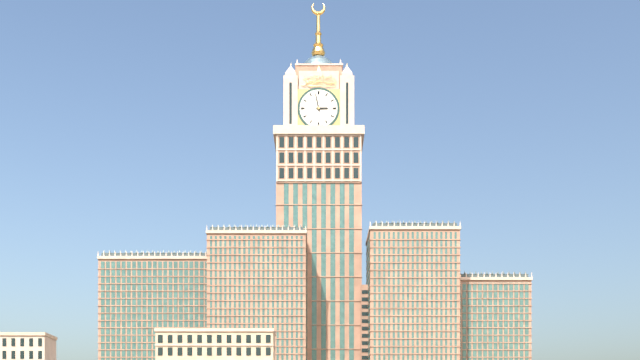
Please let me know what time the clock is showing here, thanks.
2:58
